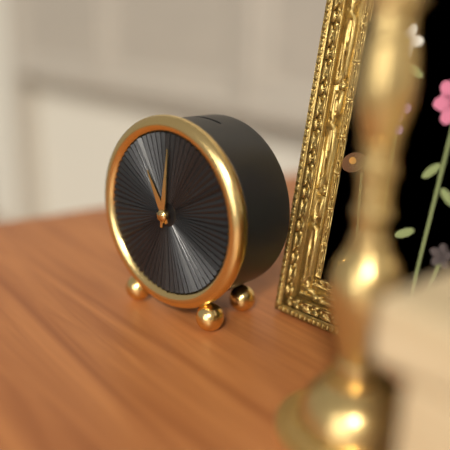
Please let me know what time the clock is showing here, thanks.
11:01
